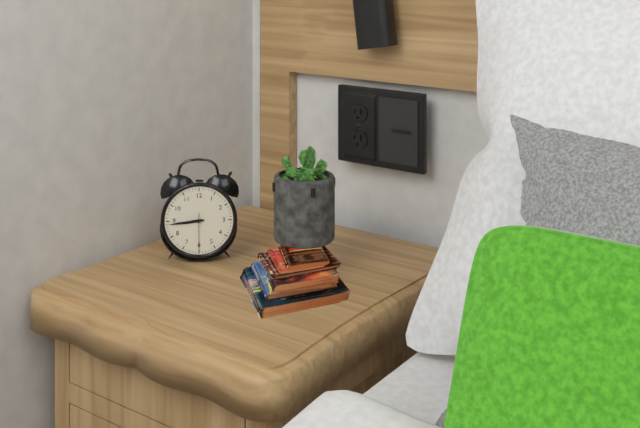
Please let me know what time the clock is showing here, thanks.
8:44
